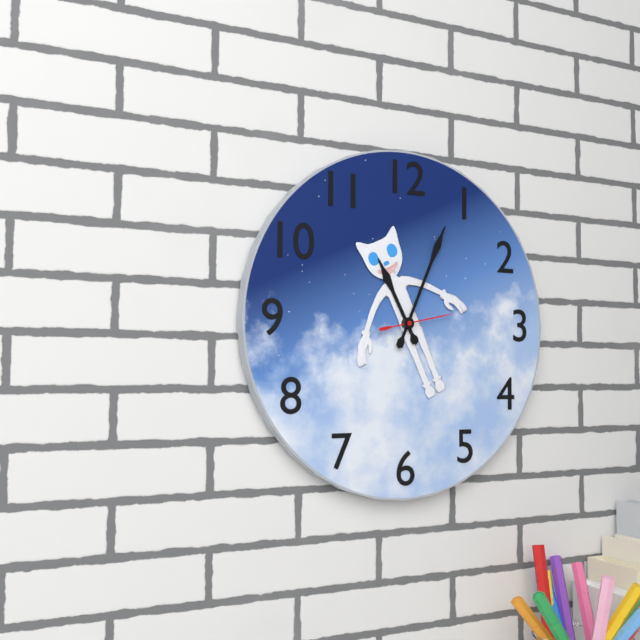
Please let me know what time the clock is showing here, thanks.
11:04:13
